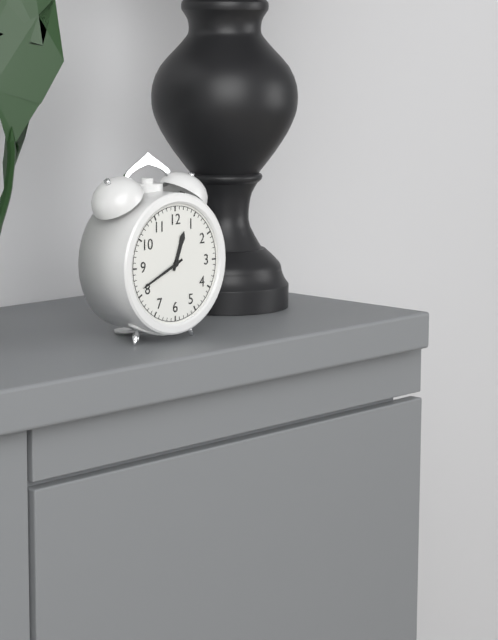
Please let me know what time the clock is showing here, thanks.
12:41
